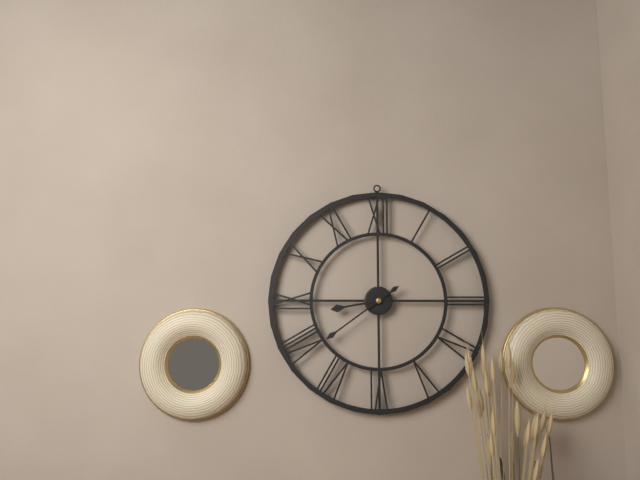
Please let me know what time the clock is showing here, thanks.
8:39
